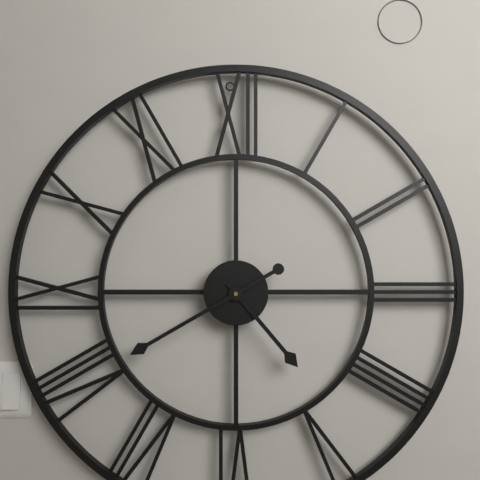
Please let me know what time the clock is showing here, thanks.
4:40
